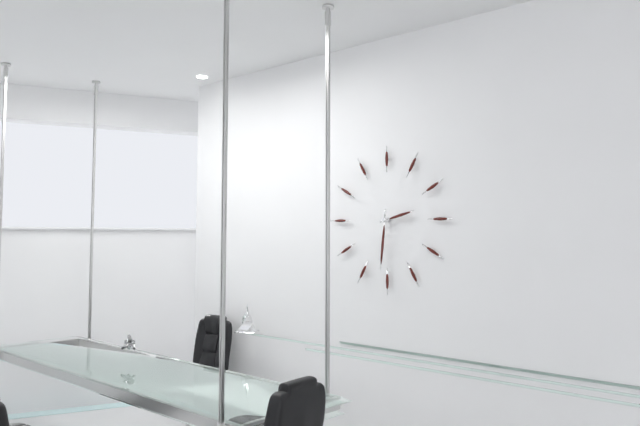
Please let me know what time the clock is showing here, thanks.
2:31
